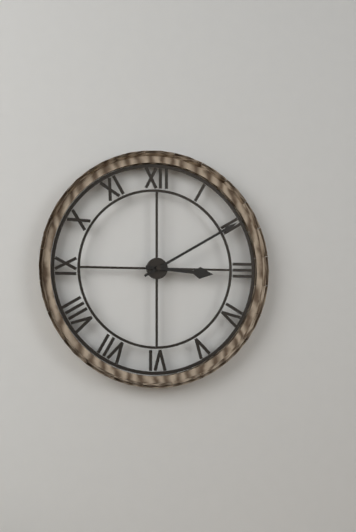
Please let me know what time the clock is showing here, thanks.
3:10
